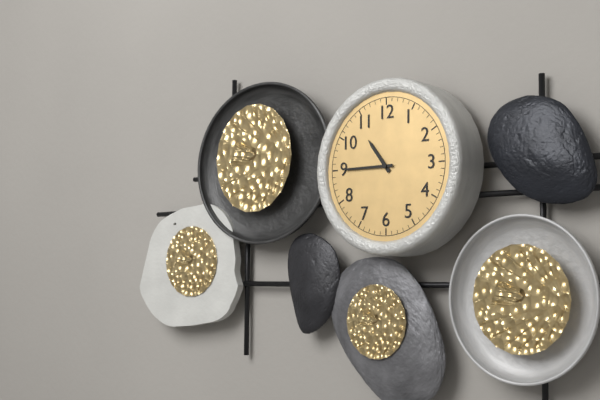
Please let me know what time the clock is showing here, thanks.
10:45
